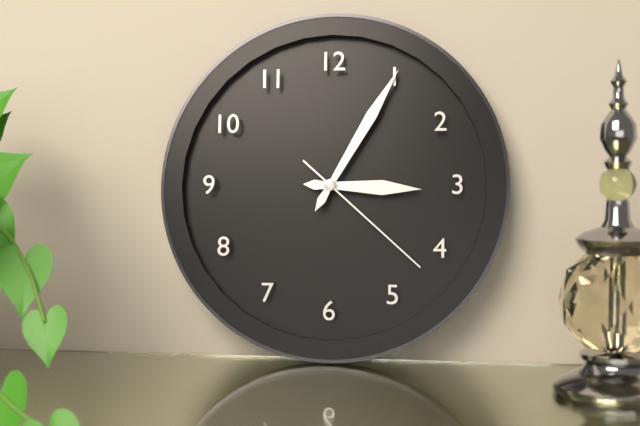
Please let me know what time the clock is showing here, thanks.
3:05:22
